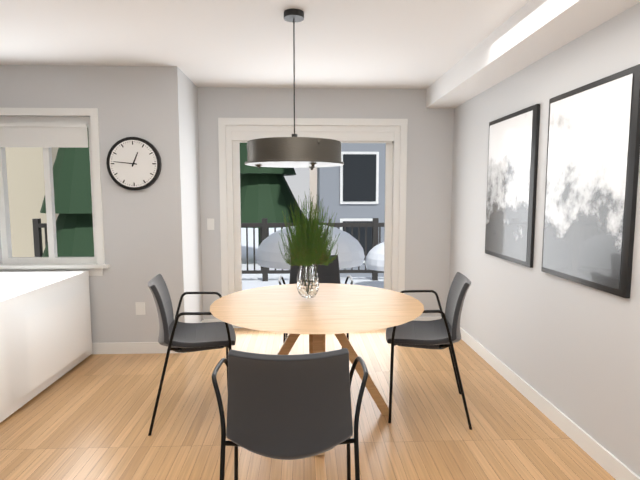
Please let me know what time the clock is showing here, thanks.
12:46
